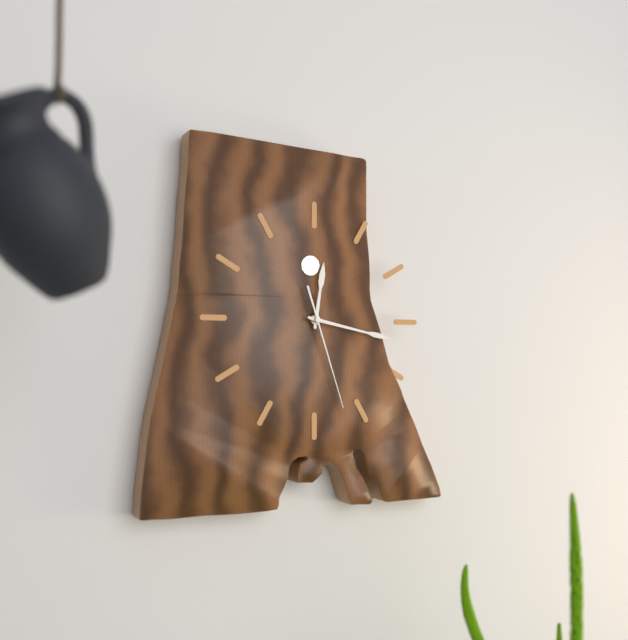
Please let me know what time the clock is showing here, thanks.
12:17:27
